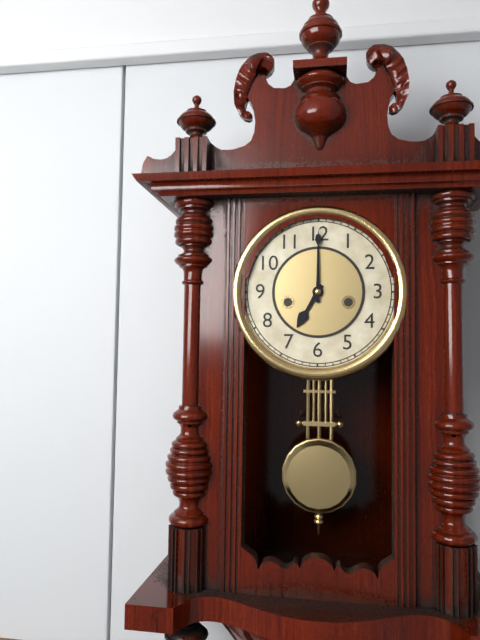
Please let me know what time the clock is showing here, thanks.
7:00
